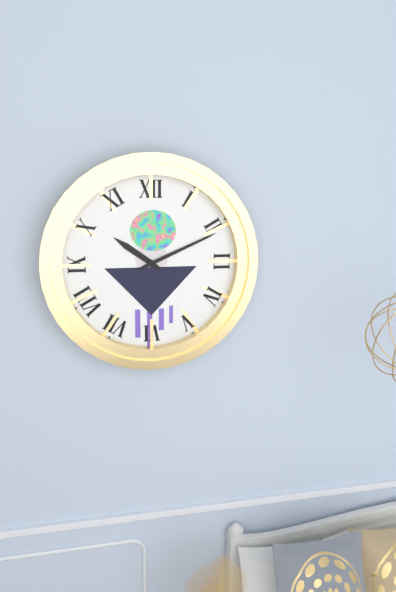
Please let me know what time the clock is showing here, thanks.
10:11
